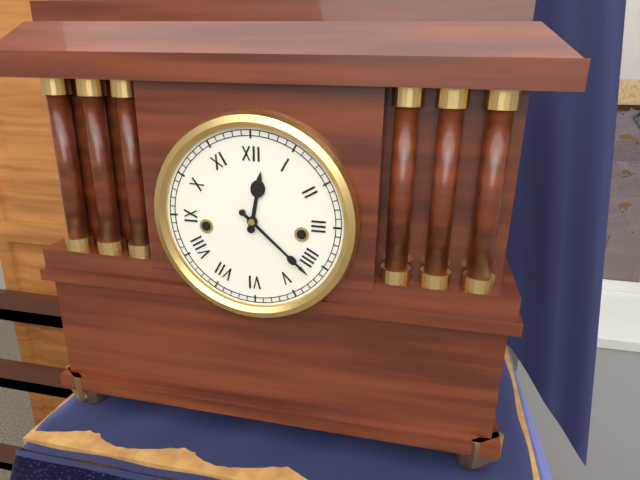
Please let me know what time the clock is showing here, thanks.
12:22
